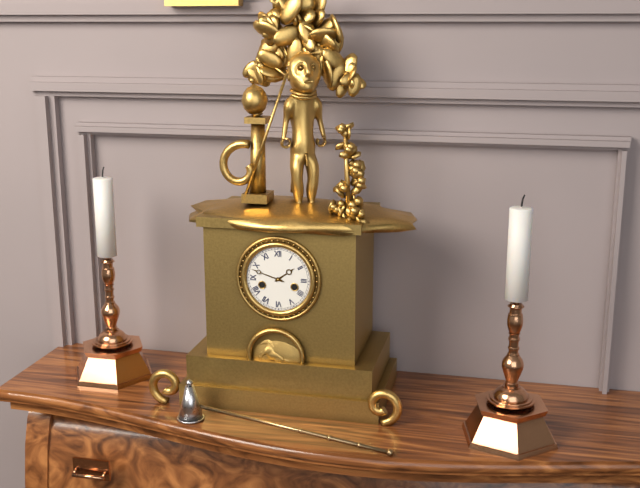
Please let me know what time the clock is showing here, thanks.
1:48
